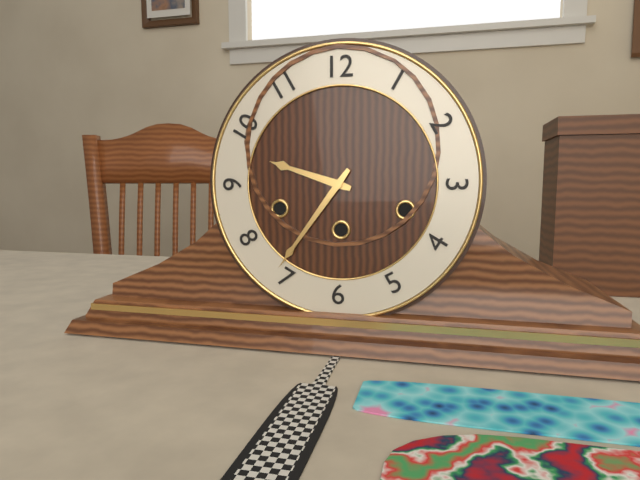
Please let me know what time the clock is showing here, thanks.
9:36
